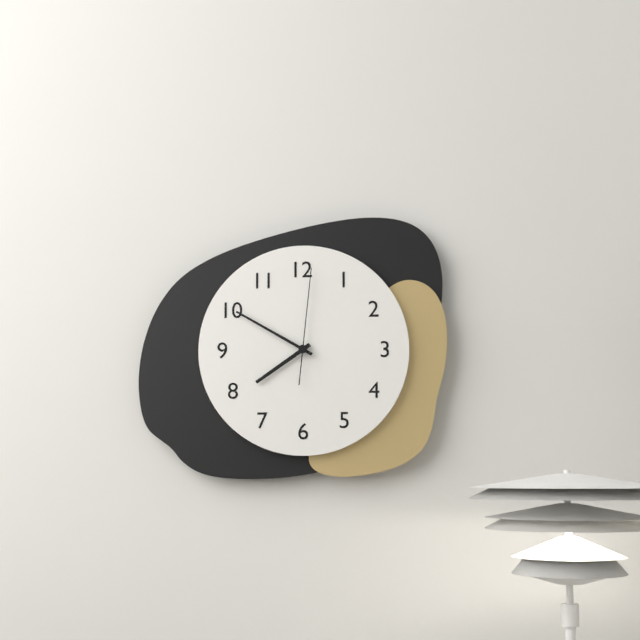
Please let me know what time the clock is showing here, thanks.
7:50:01
